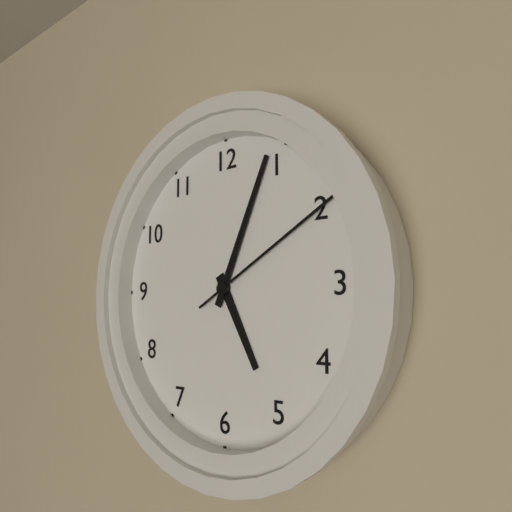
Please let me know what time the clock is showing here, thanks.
5:04:10
